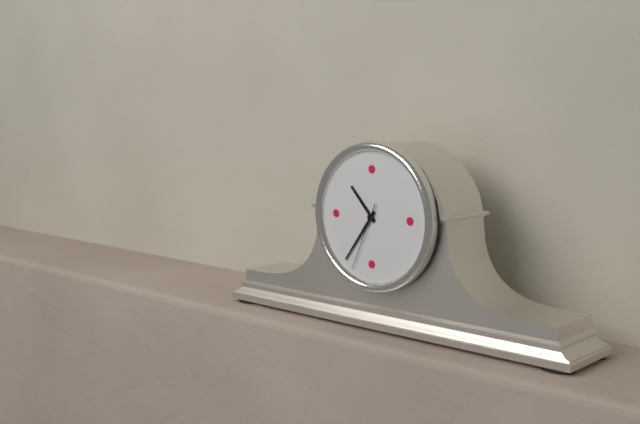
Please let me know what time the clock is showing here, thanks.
10:36:34
